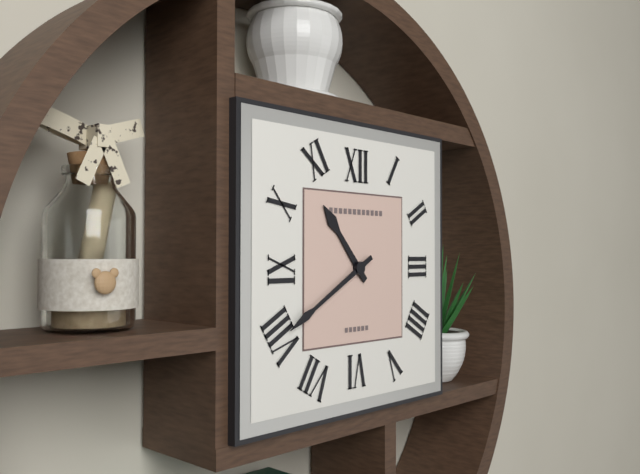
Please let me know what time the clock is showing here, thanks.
10:40
